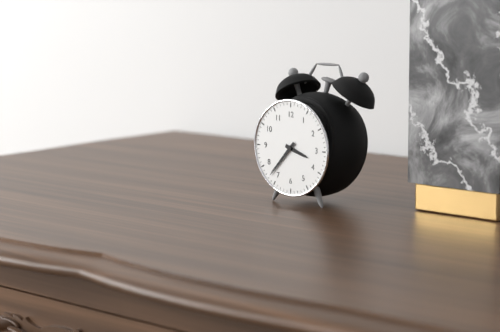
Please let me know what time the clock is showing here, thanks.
3:37
